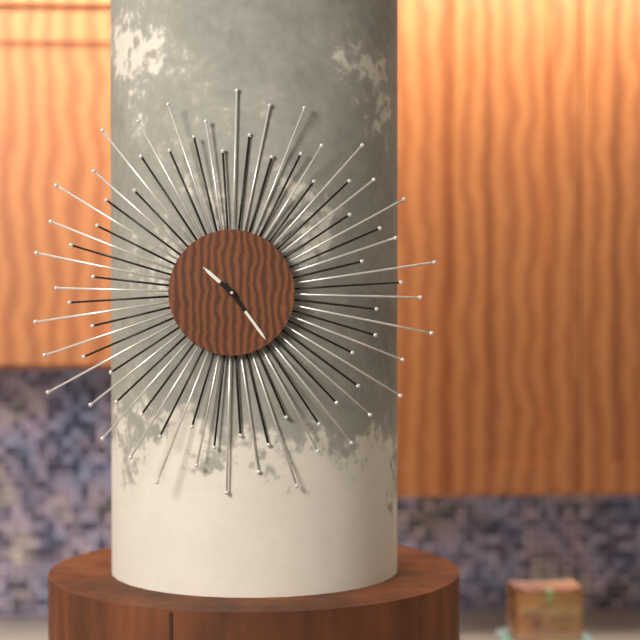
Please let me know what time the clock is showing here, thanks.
10:24
